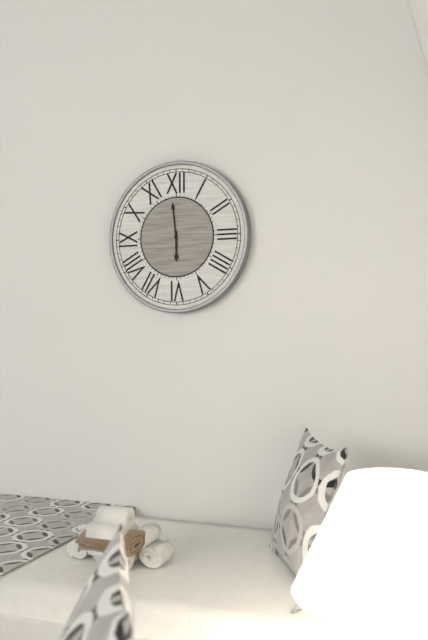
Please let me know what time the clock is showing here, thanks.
5:59
